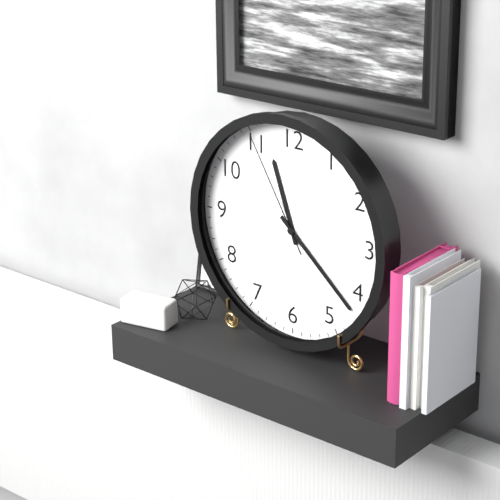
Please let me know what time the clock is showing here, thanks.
11:22:55
